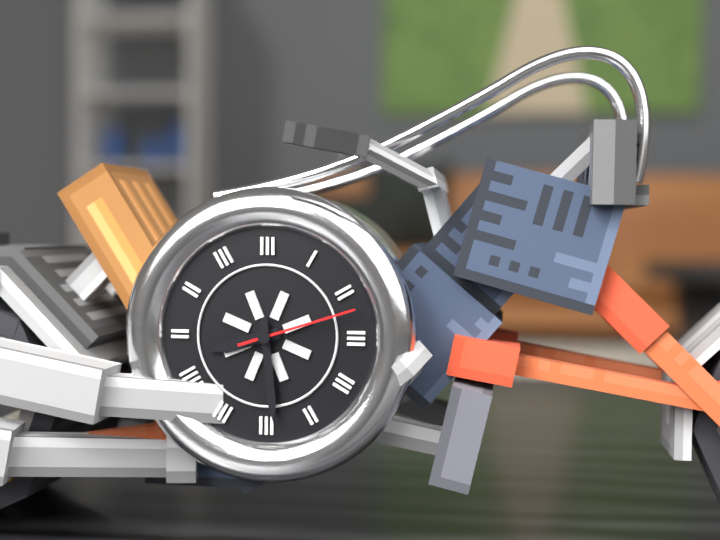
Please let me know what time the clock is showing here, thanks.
8:29:12
